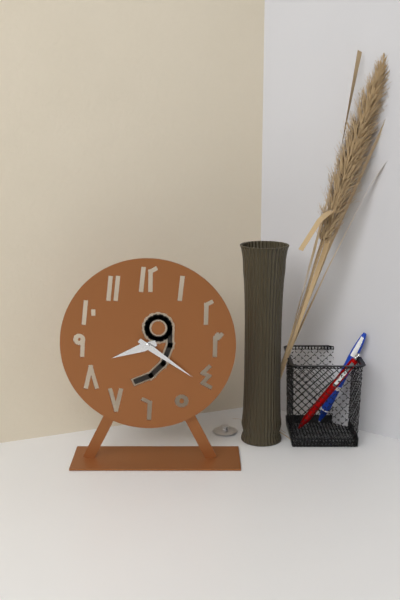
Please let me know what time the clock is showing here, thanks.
8:21
